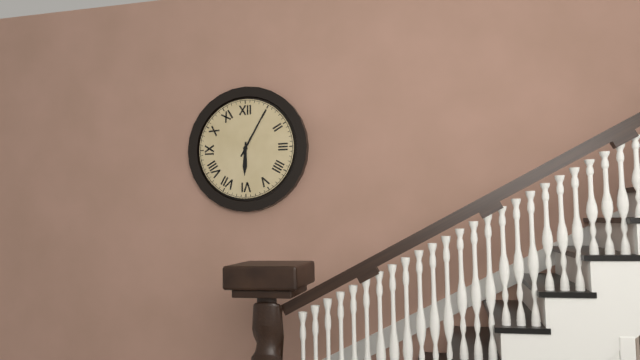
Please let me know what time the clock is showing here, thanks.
6:05
